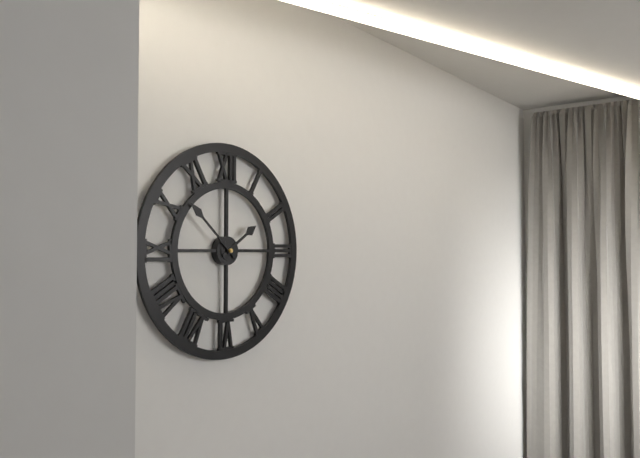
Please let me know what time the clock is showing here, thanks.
1:52
